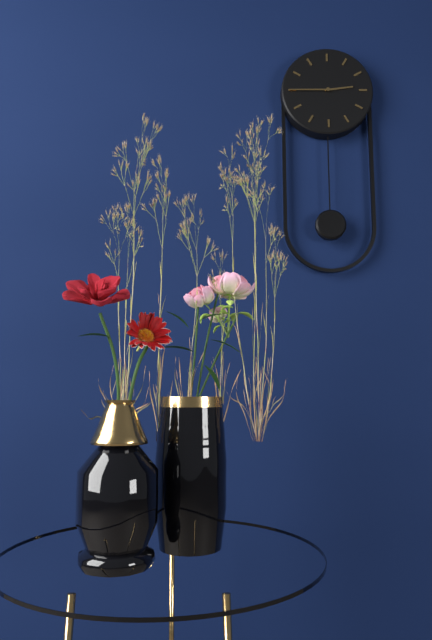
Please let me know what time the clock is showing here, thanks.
2:45
